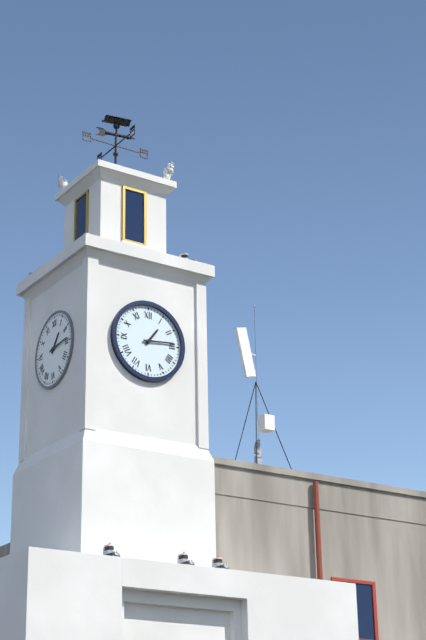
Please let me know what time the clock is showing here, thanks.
1:14
